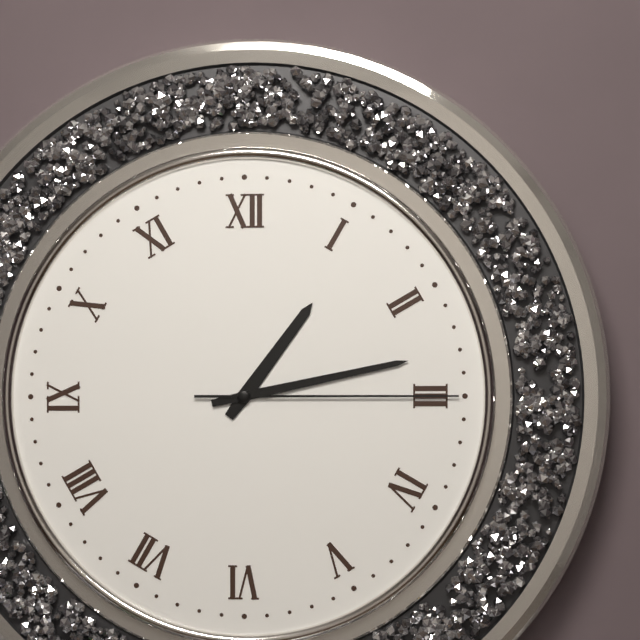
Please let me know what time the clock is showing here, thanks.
1:13:15
